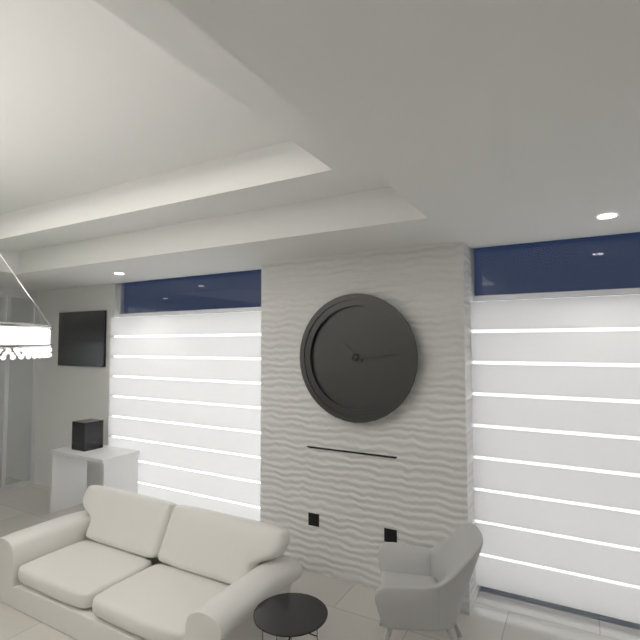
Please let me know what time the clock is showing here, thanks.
10:14
